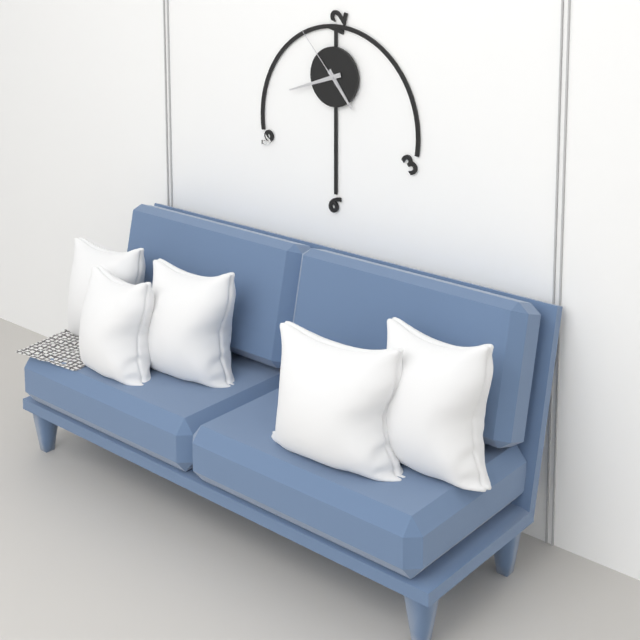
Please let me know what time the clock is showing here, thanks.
4:42:53
